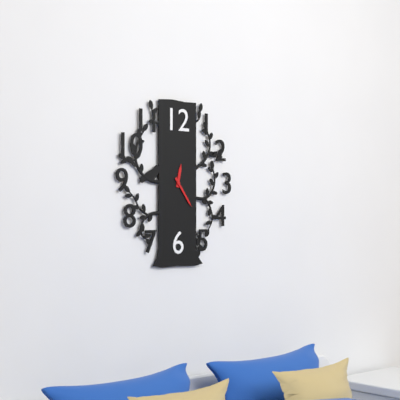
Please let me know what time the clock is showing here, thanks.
12:24
